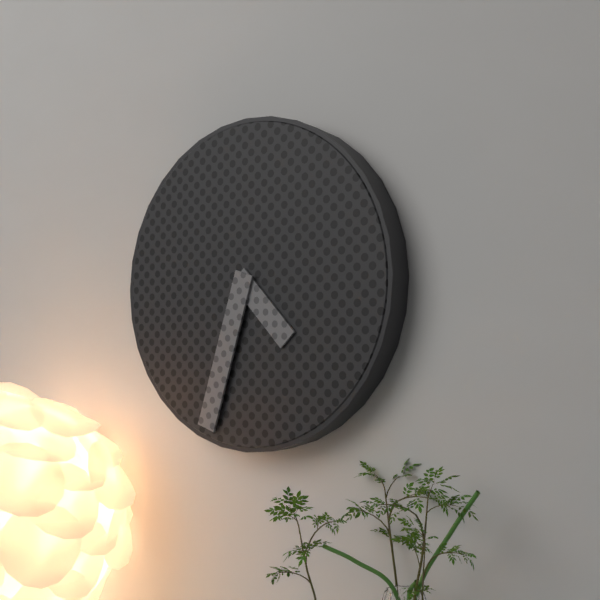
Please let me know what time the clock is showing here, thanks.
4:33
